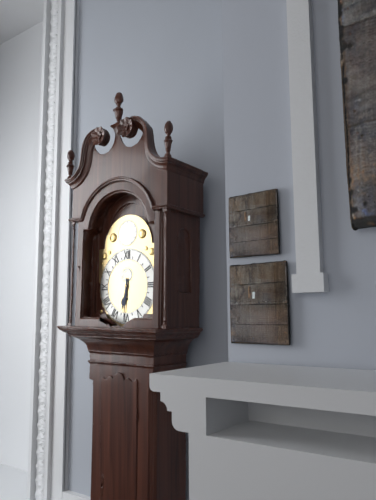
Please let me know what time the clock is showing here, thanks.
6:31
